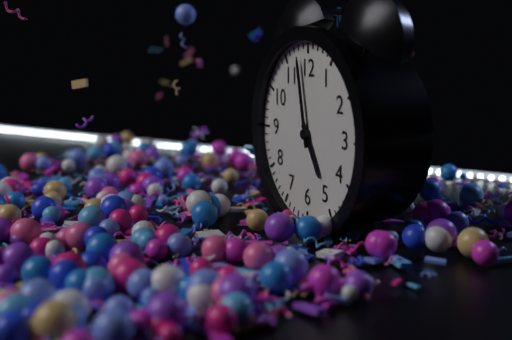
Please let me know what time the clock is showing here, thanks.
4:58
